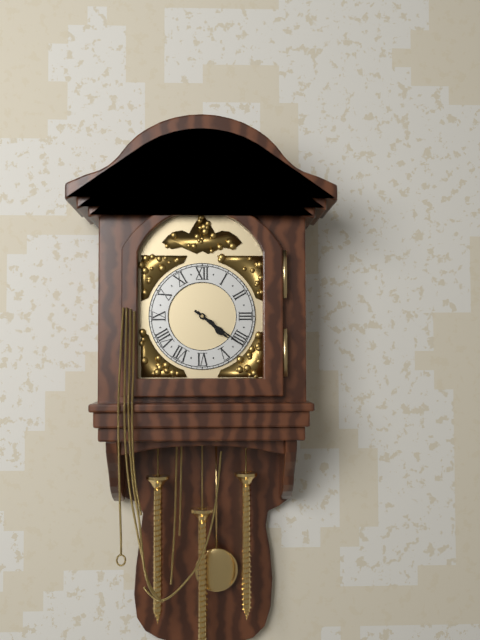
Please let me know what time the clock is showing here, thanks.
4:21
